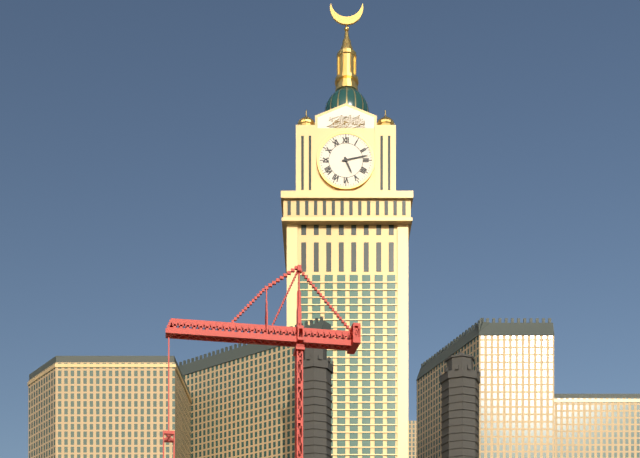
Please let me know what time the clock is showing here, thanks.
5:13
